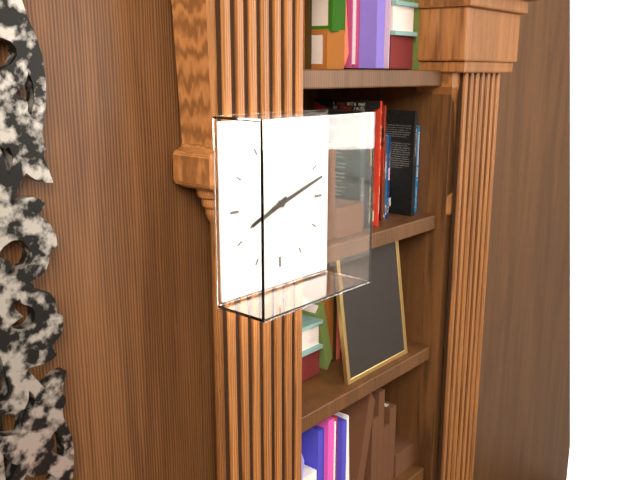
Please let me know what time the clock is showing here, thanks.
8:12
